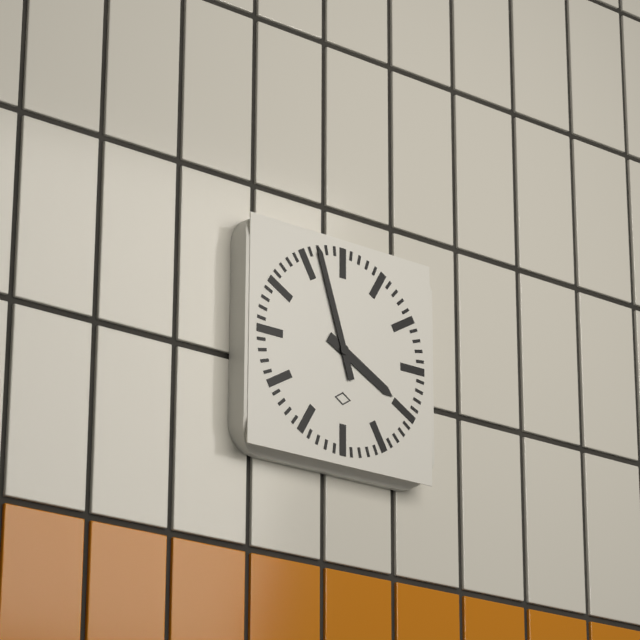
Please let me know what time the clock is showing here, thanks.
3:57
